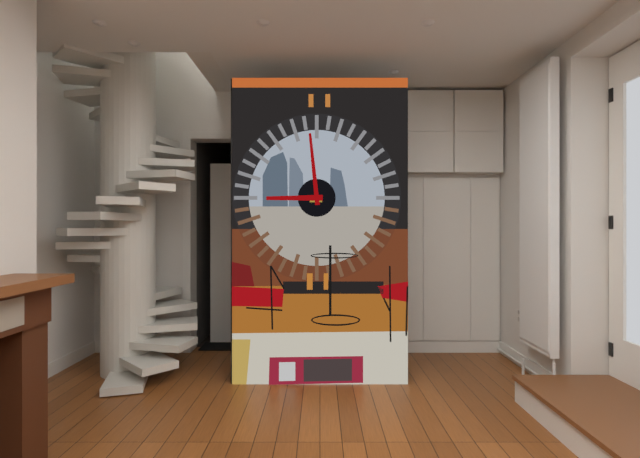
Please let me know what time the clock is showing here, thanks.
8:59
